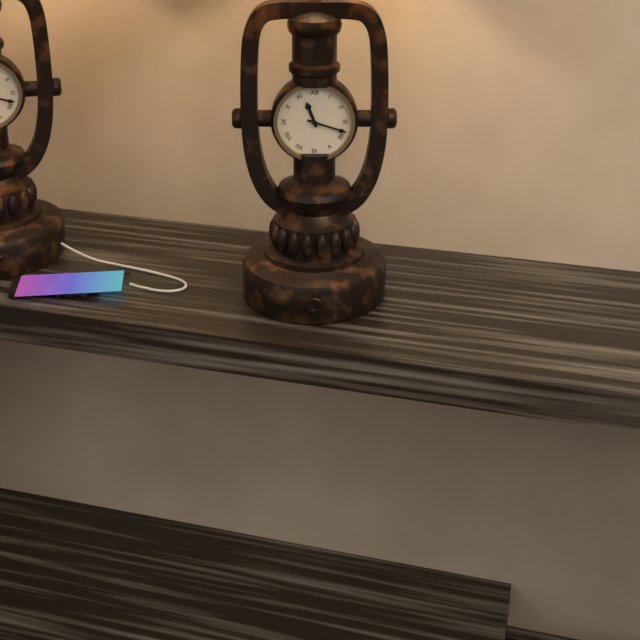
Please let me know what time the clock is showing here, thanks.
11:18
